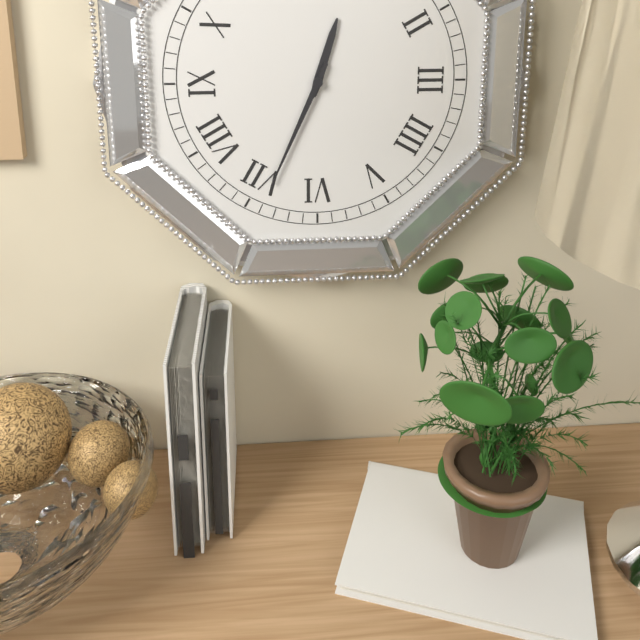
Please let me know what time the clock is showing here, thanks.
12:34
